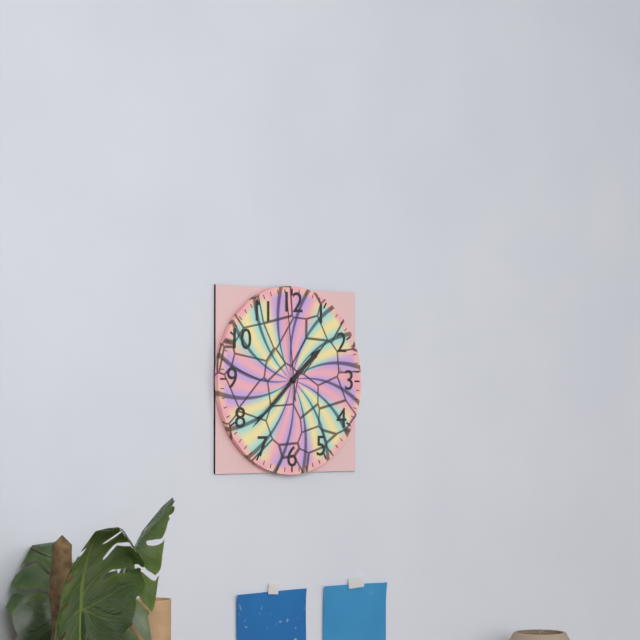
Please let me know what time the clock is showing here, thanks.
1:38:59
